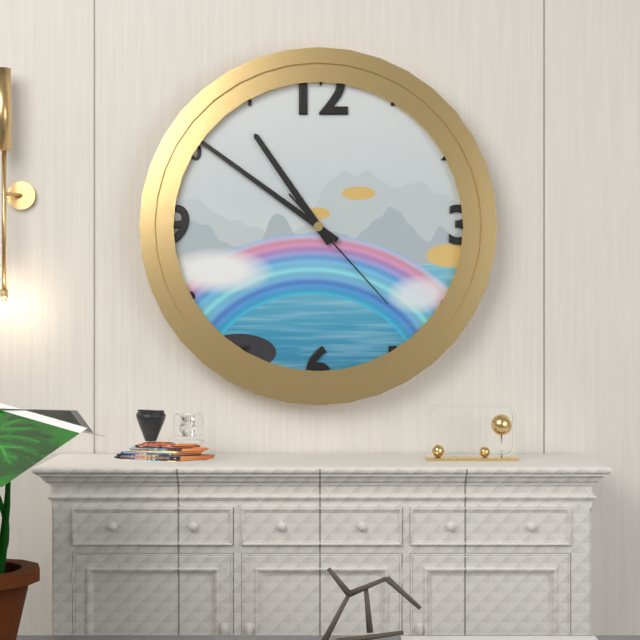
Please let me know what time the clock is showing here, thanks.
10:51:23
